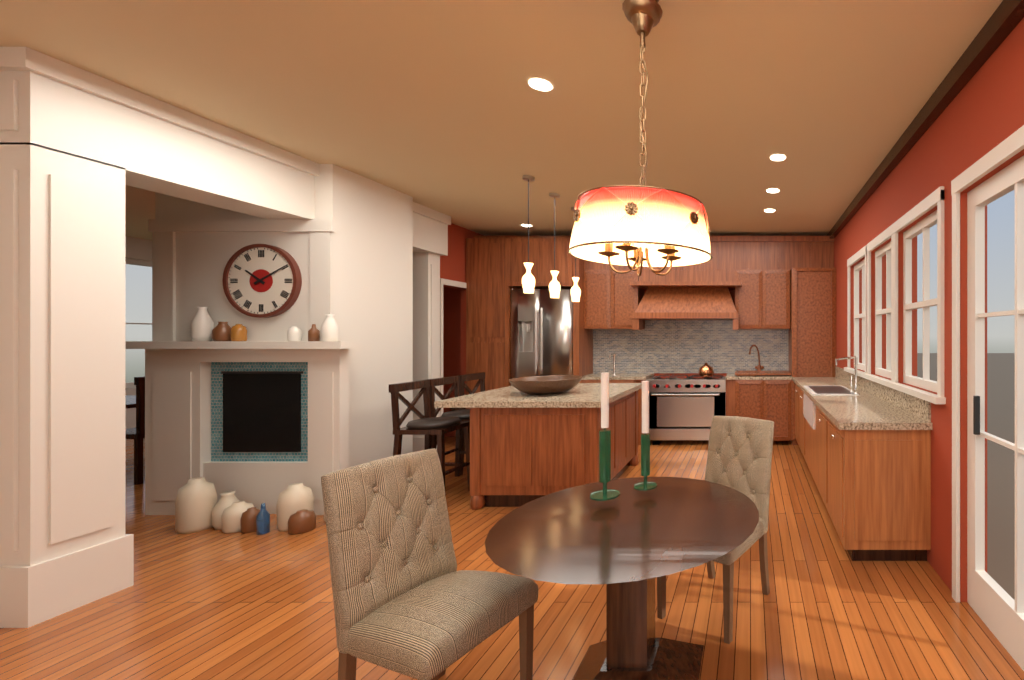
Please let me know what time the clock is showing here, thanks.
10:10
